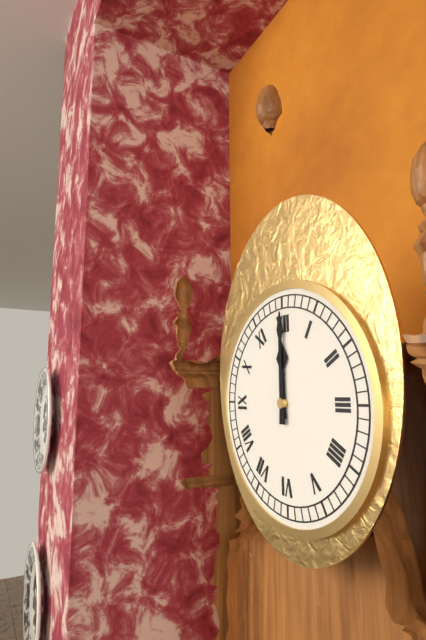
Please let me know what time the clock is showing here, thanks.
12:00
